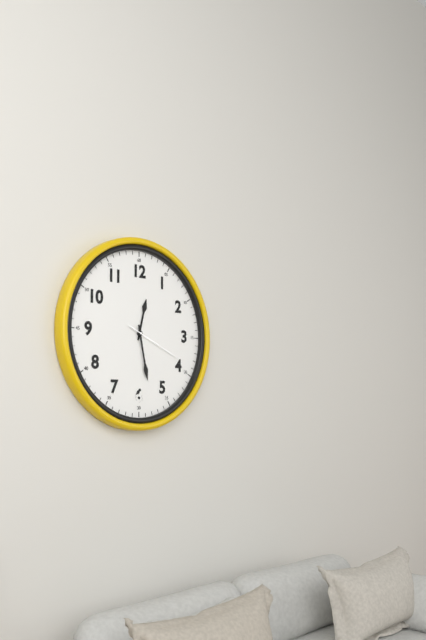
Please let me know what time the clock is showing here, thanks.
12:28:19
